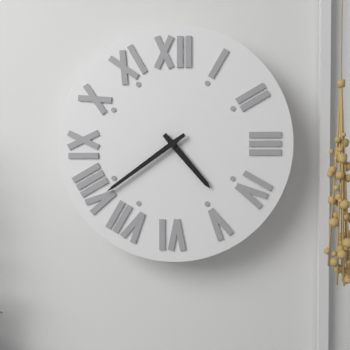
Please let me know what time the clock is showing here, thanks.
4:39
